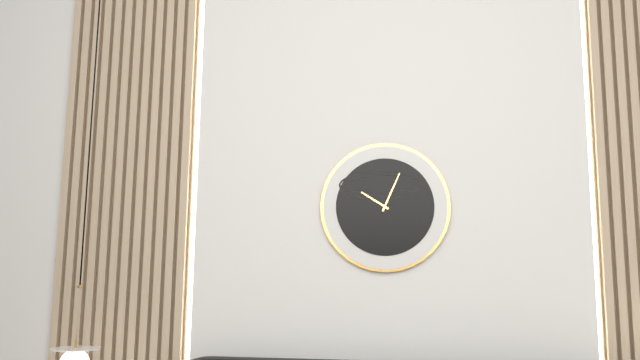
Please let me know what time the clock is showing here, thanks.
10:04
